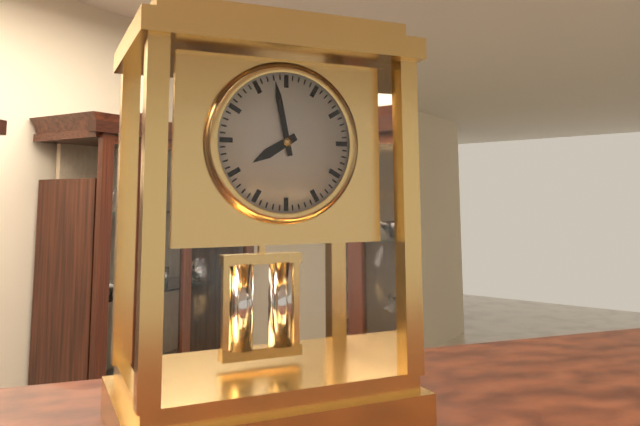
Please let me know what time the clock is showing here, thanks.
7:58
